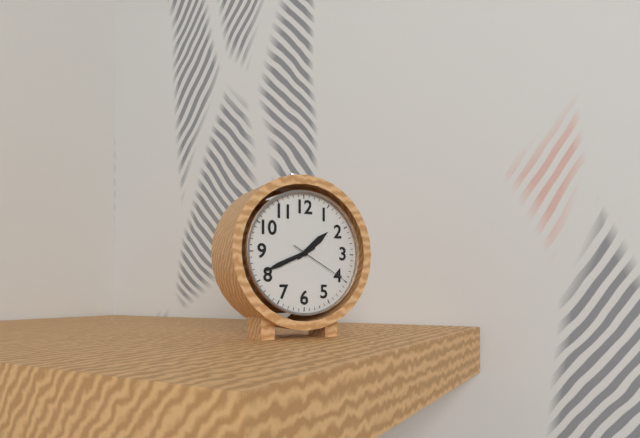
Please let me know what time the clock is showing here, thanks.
1:41:20
